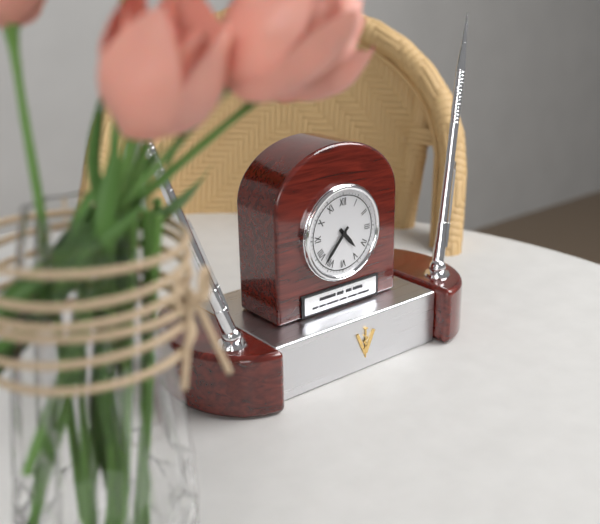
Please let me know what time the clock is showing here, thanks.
4:37
